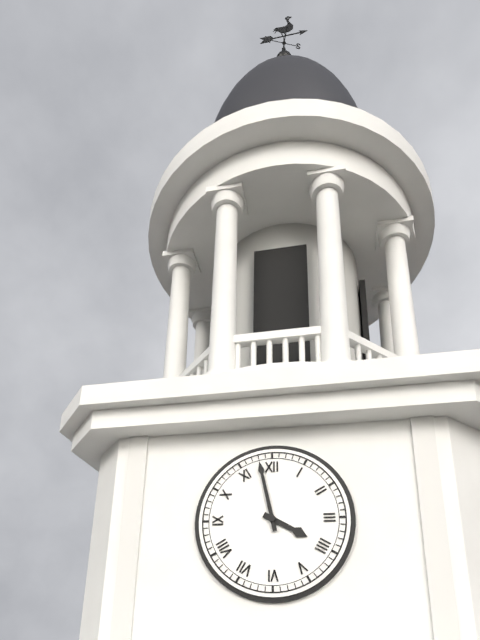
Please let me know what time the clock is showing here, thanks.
3:58
